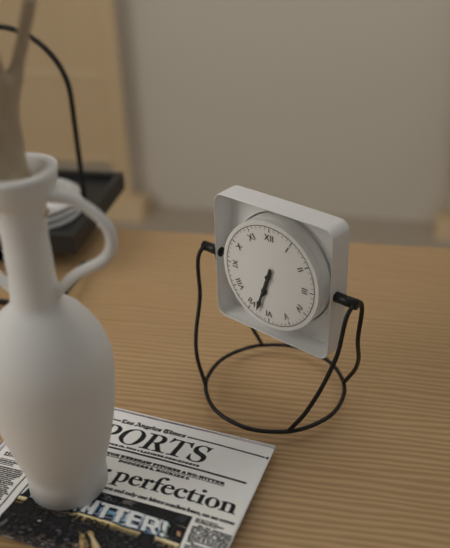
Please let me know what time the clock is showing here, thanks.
6:33
